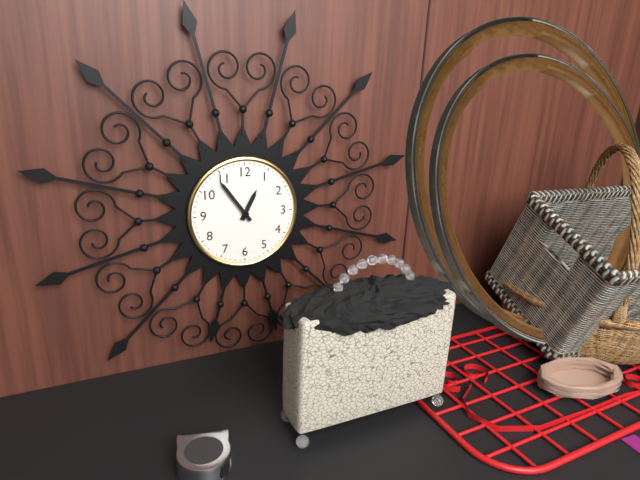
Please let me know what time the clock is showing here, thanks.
12:54
